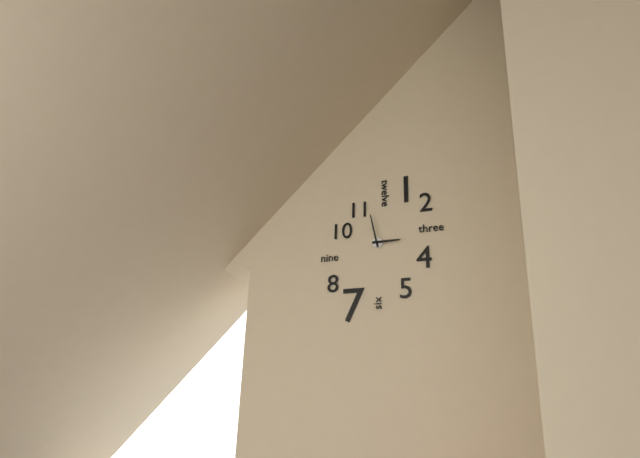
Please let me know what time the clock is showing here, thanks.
2:58
